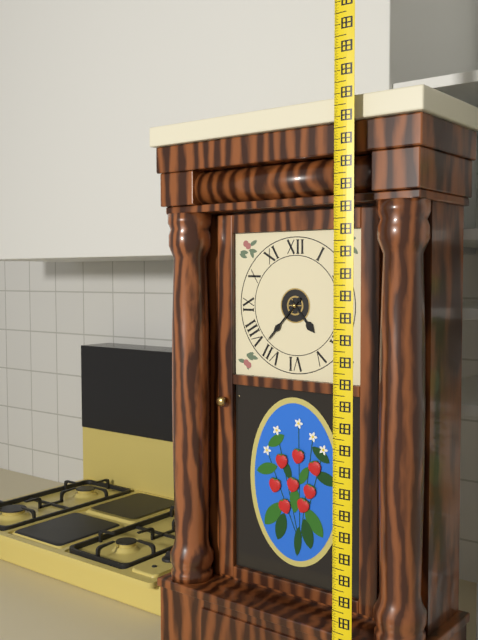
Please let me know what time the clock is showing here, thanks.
4:37
